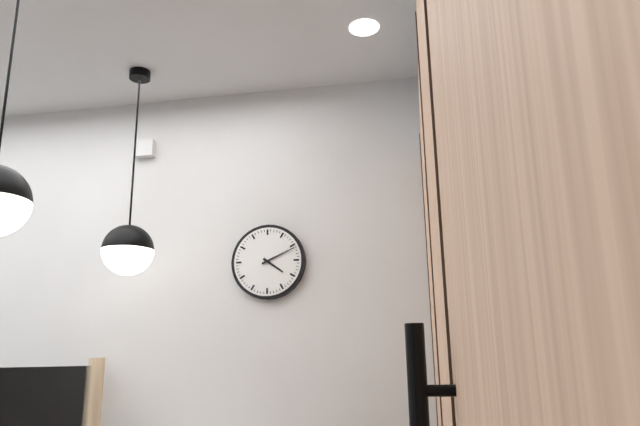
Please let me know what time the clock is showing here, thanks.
4:11
